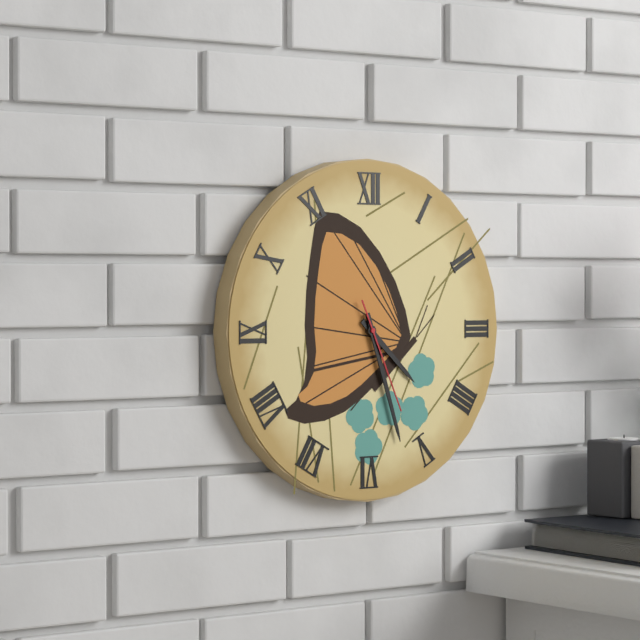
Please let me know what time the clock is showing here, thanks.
4:27:26
